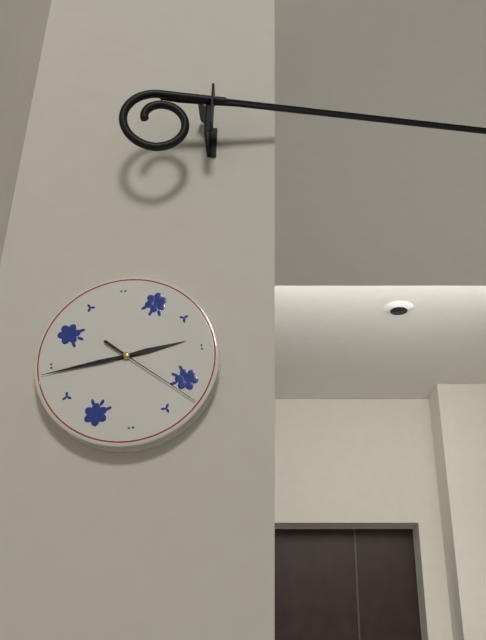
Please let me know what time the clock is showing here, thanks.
2:44:22
